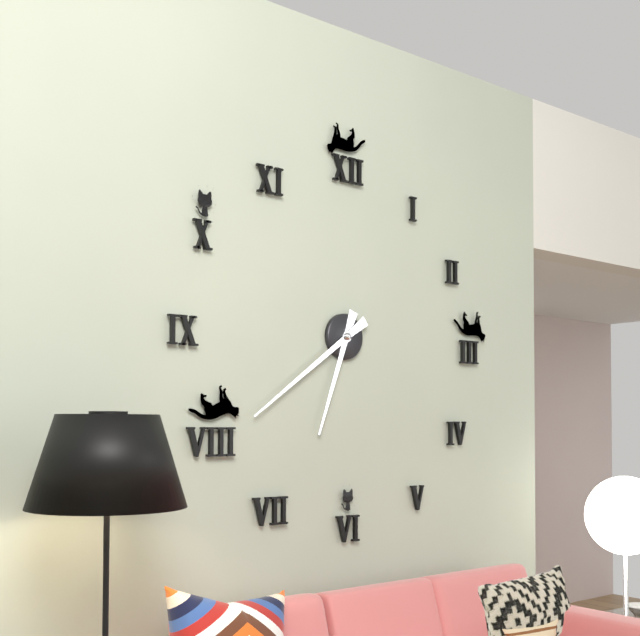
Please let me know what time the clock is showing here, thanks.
6:39
